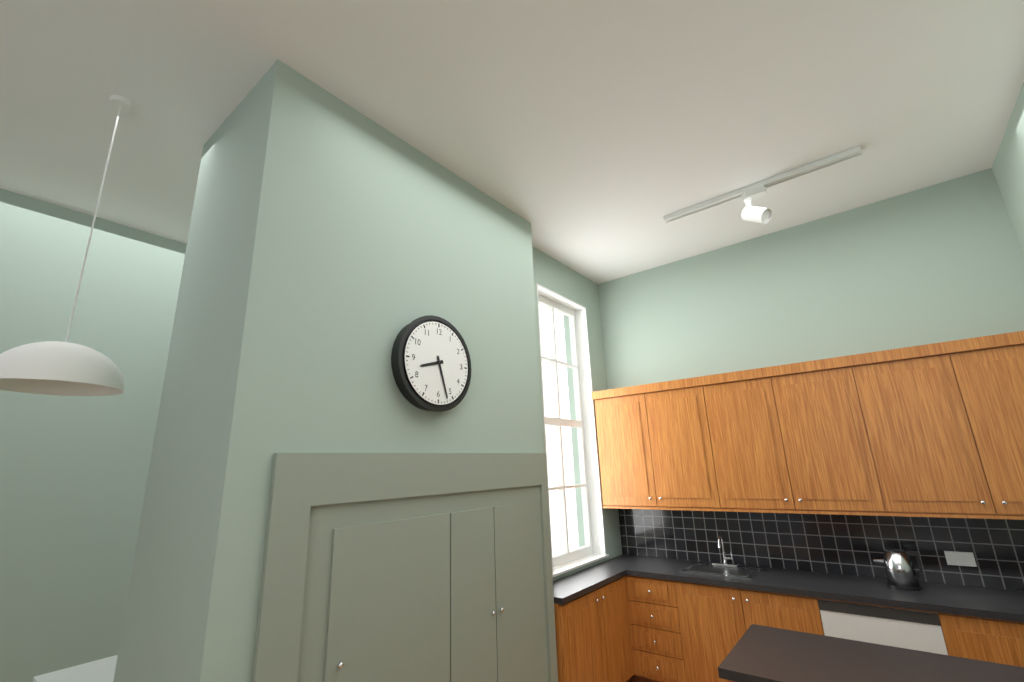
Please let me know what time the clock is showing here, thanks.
8:27
